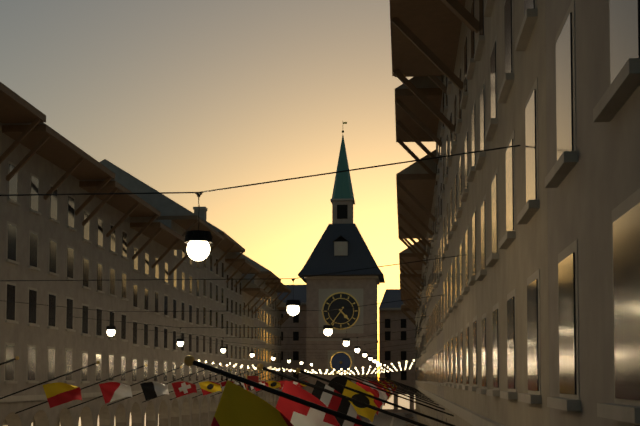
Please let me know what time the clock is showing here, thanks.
4:36
